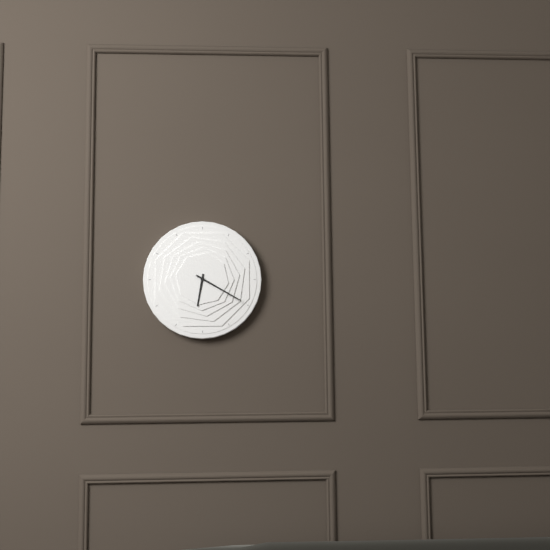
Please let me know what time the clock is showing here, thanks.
6:20
